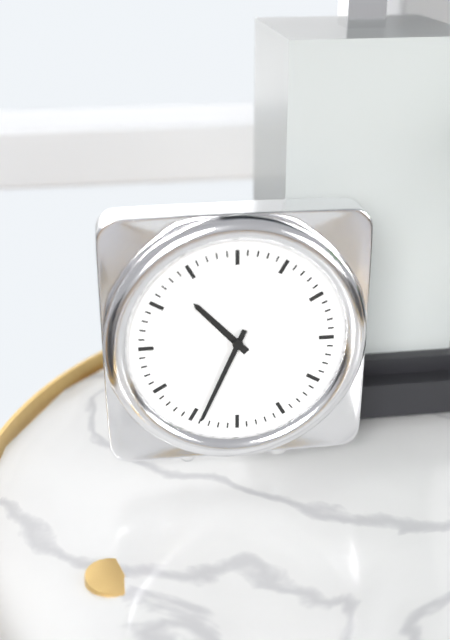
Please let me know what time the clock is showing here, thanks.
10:34
